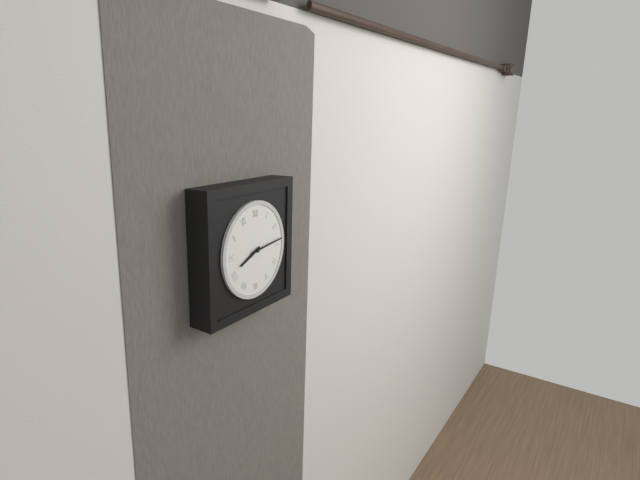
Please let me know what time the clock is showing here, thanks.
8:14
